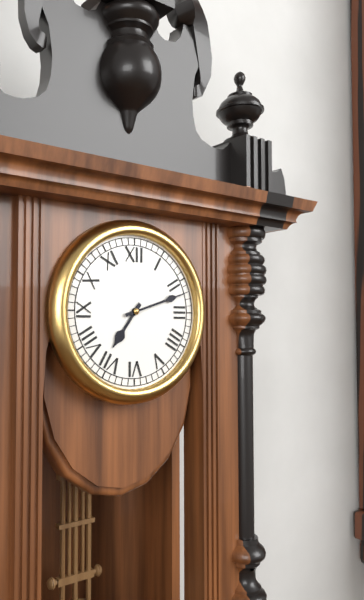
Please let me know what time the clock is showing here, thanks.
7:12
